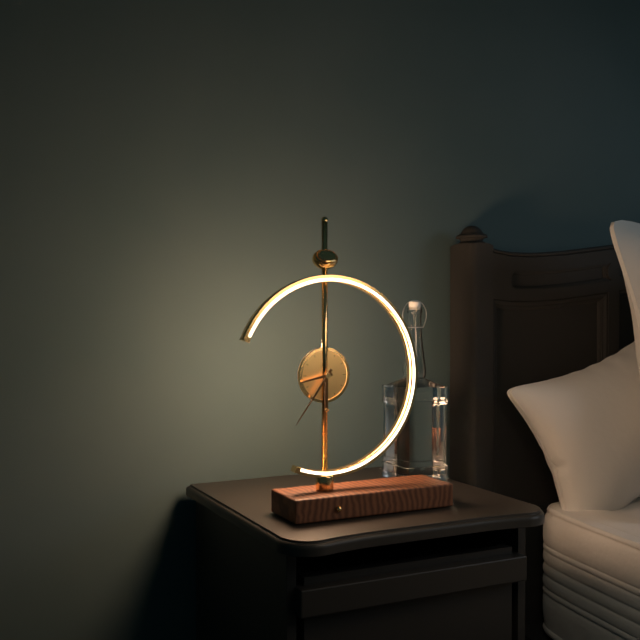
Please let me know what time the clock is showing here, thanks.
8:36
